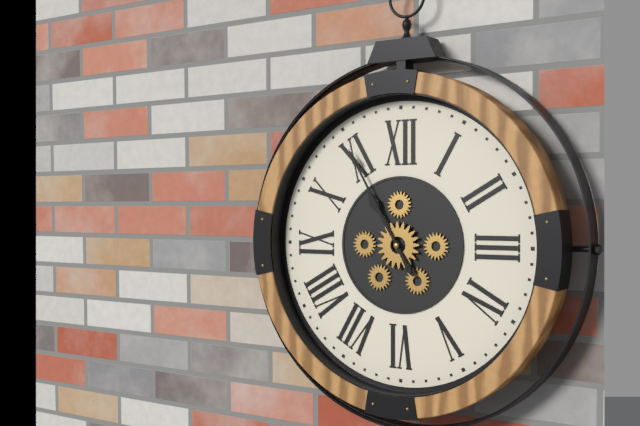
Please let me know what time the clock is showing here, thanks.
10:55
